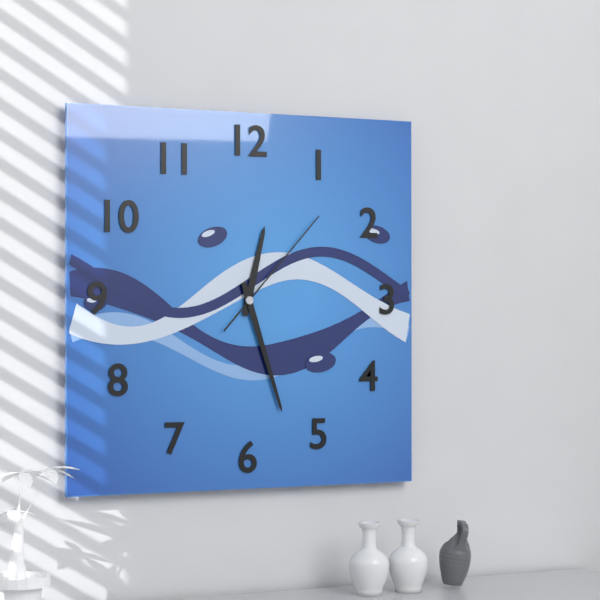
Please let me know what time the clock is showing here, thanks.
12:27:07
